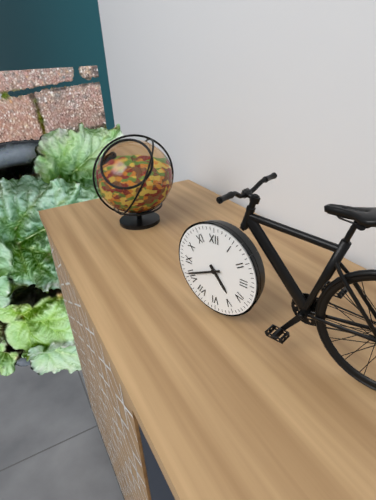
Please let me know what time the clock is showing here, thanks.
4:41
